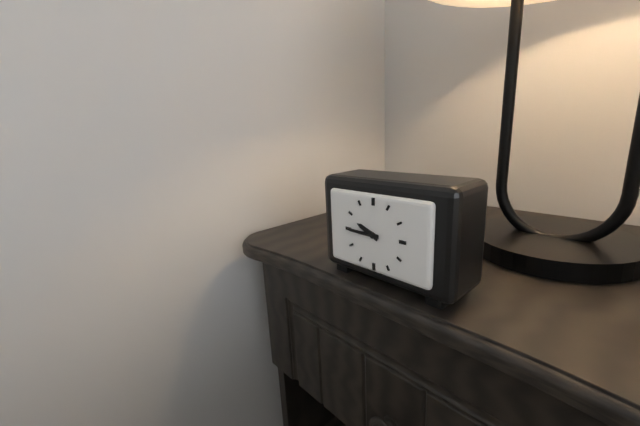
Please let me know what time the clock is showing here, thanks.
9:45
